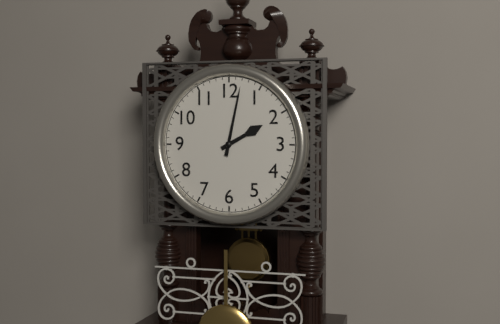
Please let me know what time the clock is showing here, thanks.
2:02
